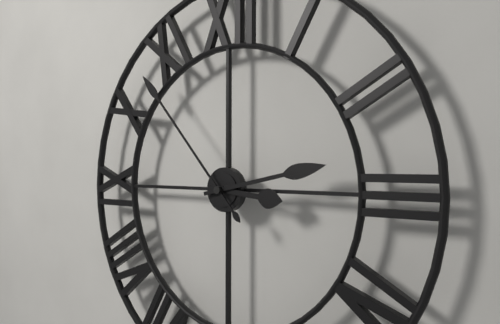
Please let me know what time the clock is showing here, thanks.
3:13:53
